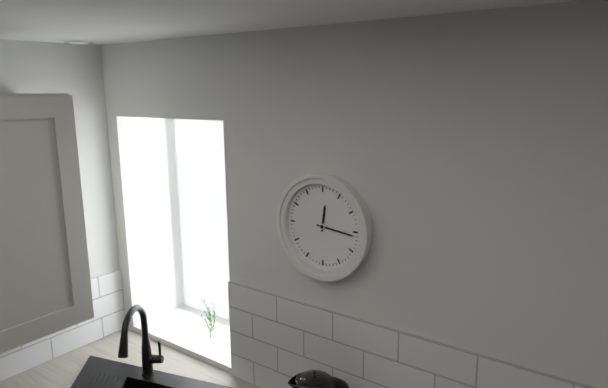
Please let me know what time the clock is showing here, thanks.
12:16
